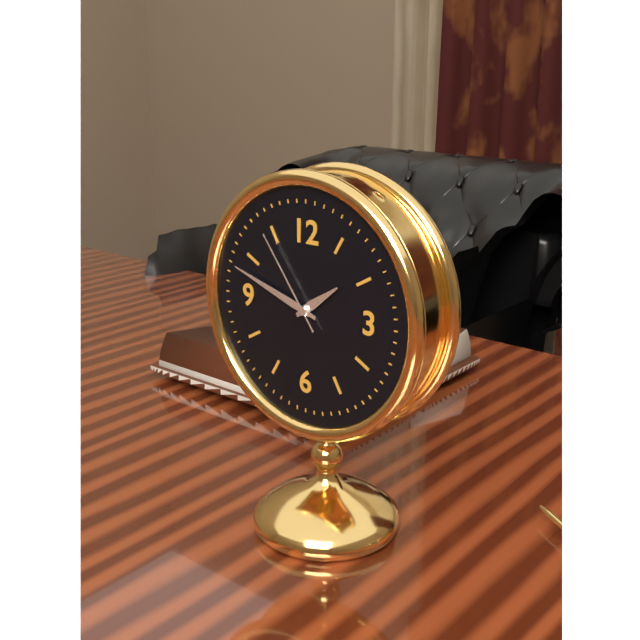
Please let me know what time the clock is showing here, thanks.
1:48:54
